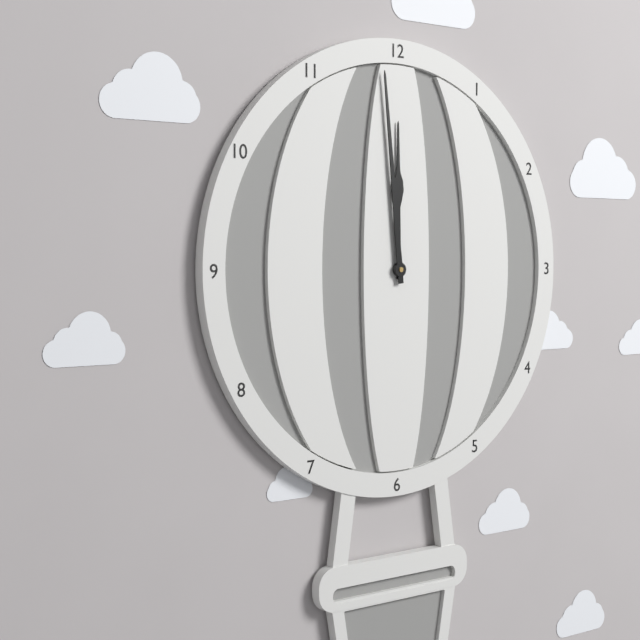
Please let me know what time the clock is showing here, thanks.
11:59
